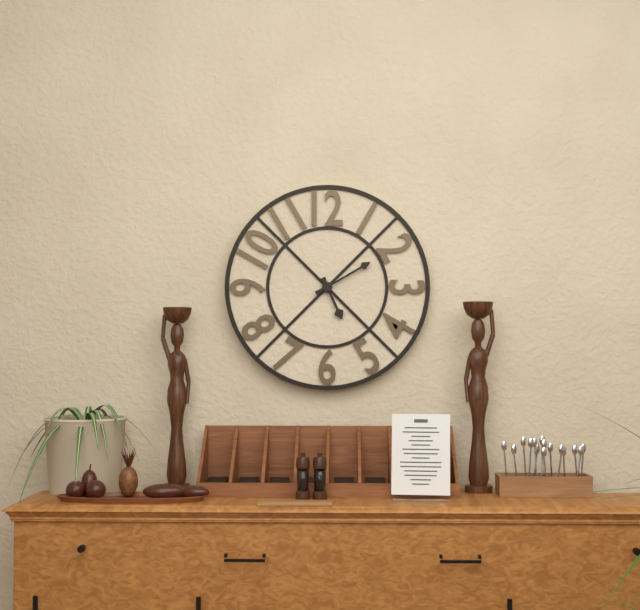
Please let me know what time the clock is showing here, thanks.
5:10
